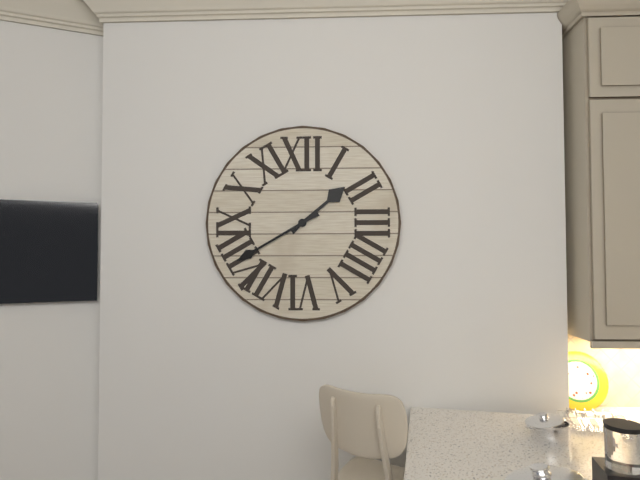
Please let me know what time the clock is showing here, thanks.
1:40
